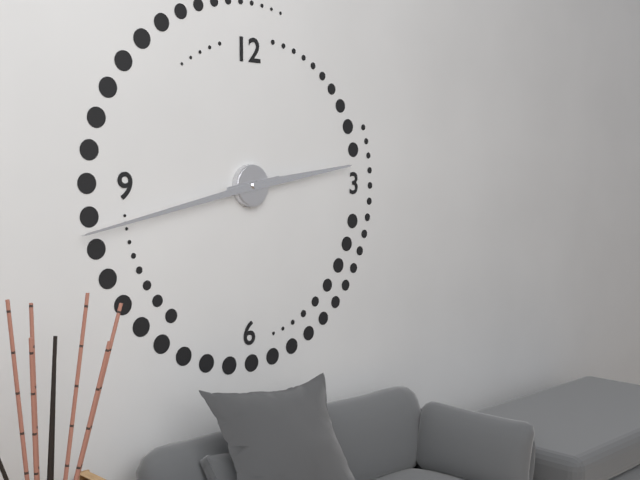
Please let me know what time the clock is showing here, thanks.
2:43
